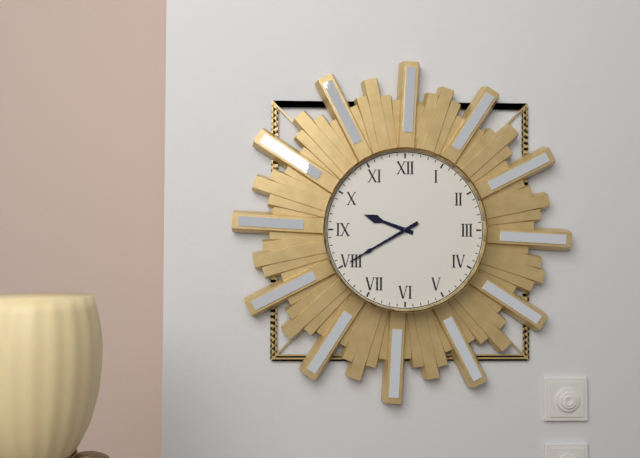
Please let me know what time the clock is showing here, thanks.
9:40
